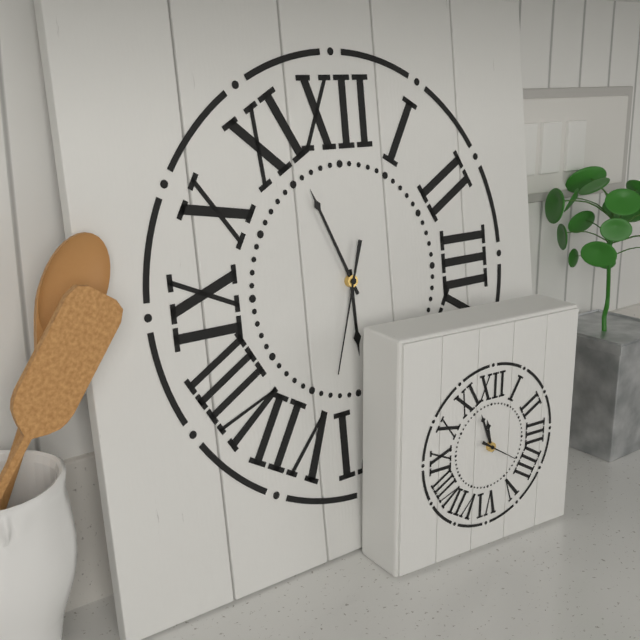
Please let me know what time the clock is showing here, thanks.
5:56:33
